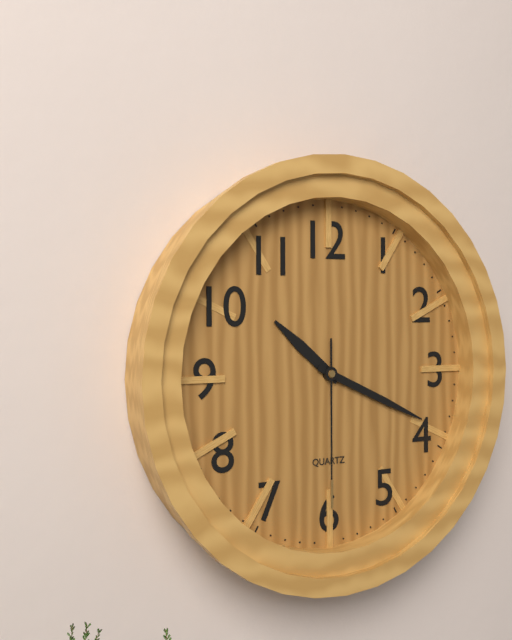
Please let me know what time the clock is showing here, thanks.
10:19:30
